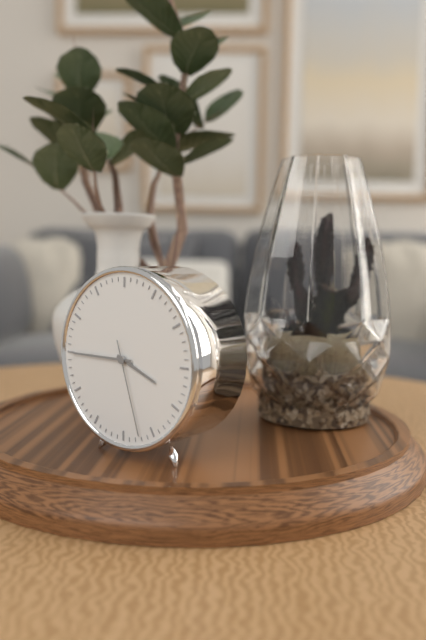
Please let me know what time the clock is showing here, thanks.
3:45:27
